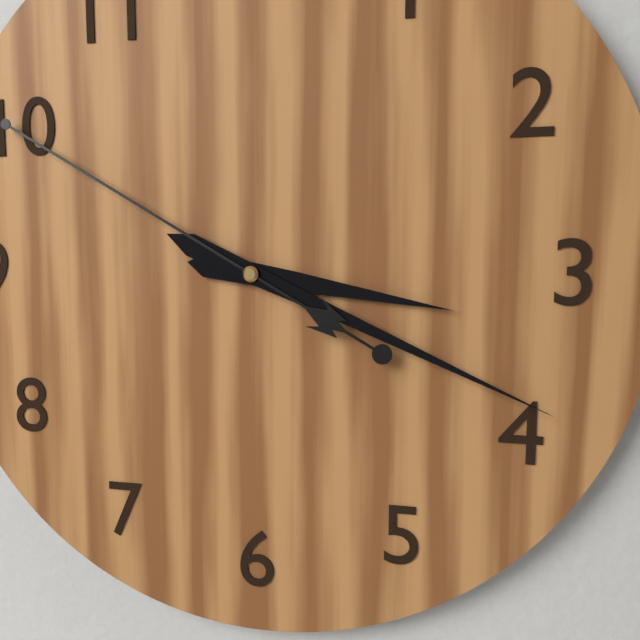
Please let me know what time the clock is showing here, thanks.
3:19:50
